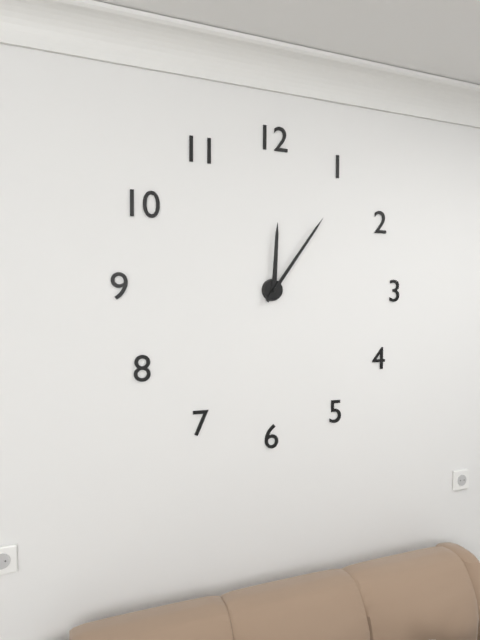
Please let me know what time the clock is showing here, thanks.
12:06
